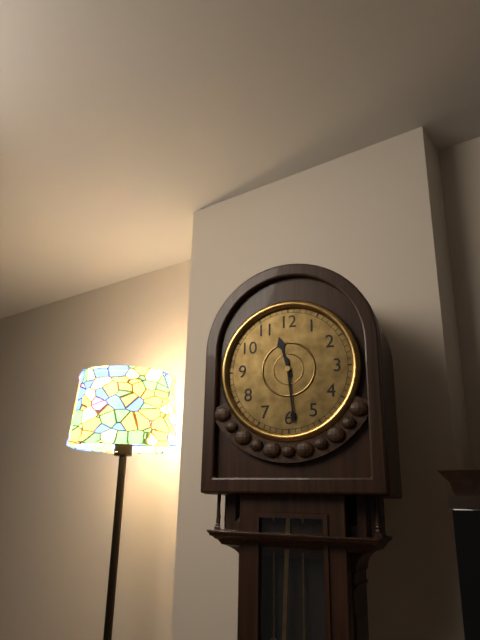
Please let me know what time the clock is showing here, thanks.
11:29
